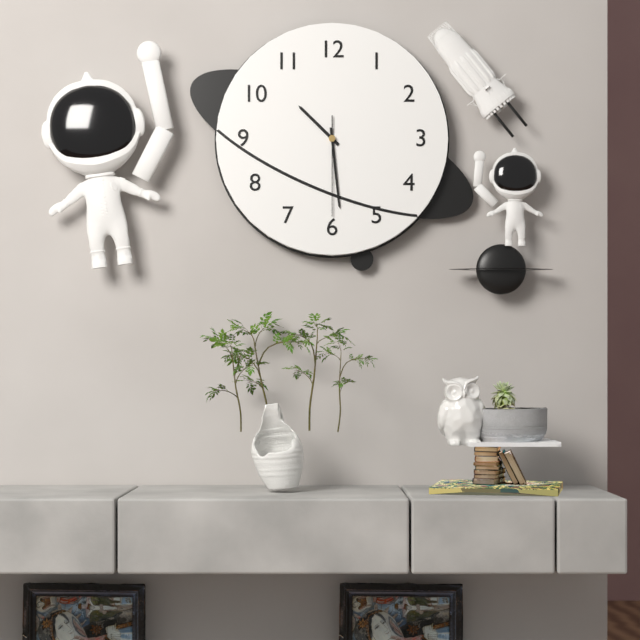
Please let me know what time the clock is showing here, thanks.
10:29:30
